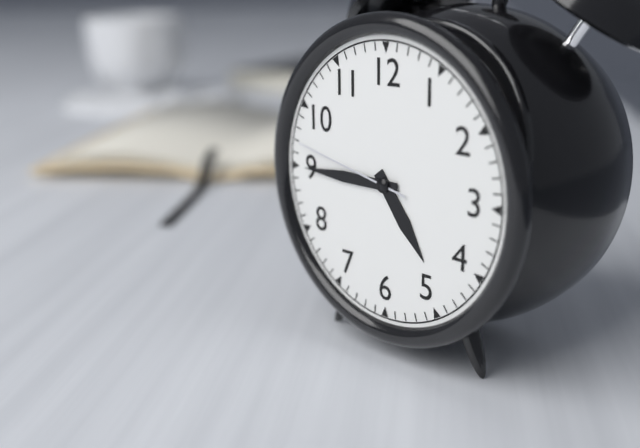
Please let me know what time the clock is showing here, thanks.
4:45:47
